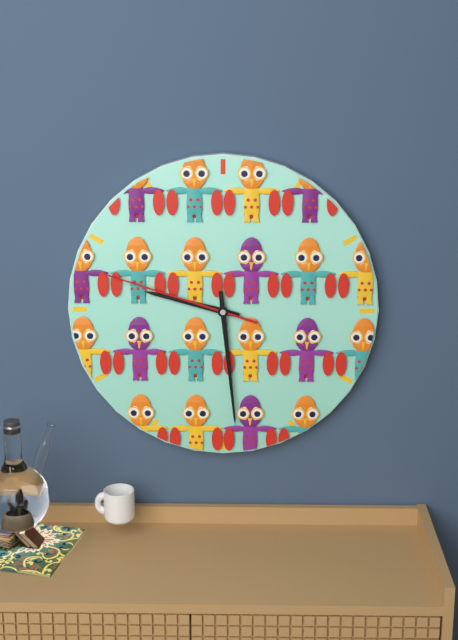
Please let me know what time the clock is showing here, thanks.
9:29:48
